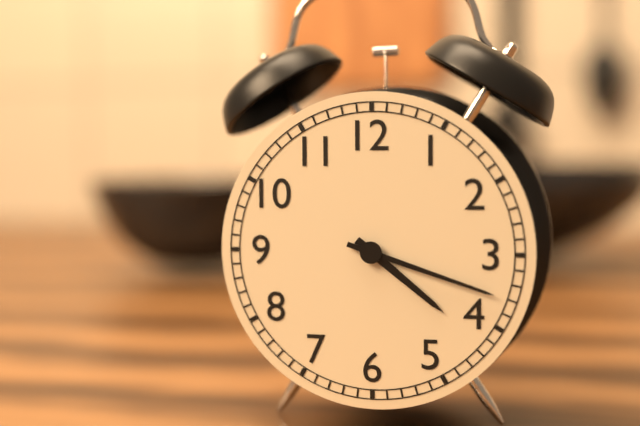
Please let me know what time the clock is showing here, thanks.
4:18
